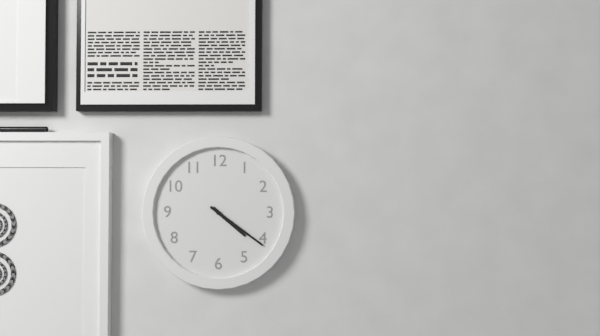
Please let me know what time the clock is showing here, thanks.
4:21
